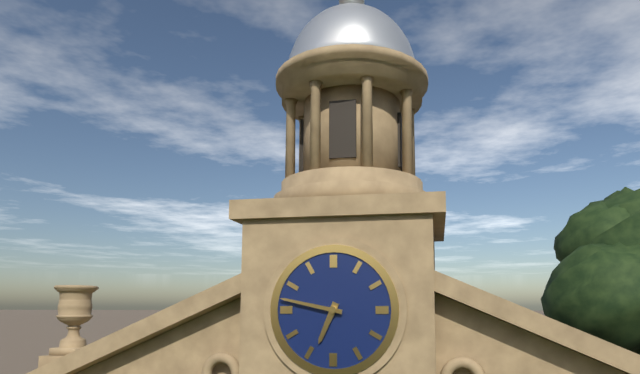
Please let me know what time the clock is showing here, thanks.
6:47
